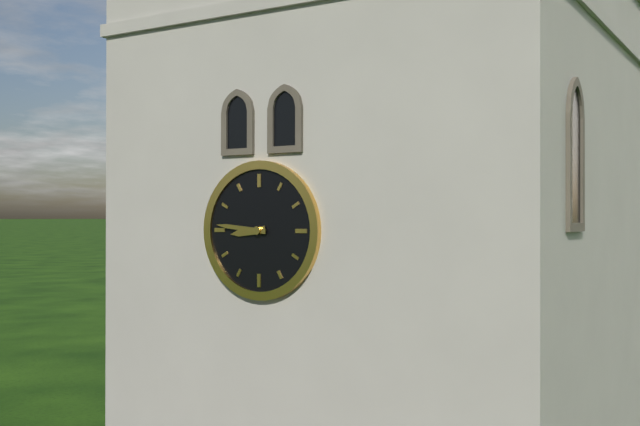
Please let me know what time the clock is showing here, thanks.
8:46
